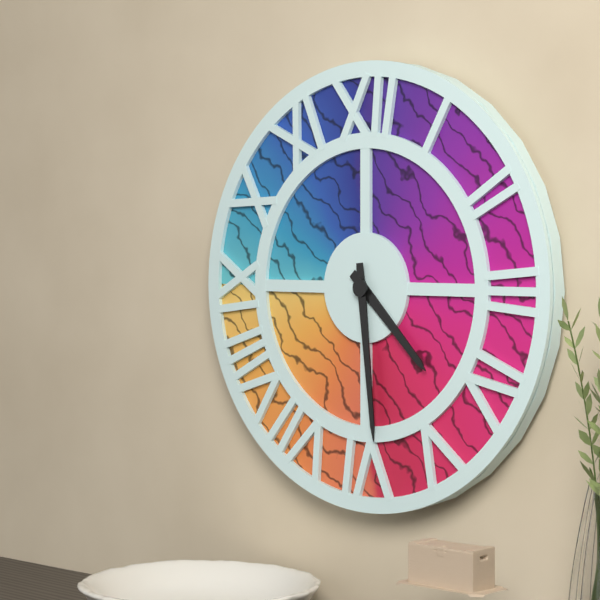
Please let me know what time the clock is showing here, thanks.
4:29
